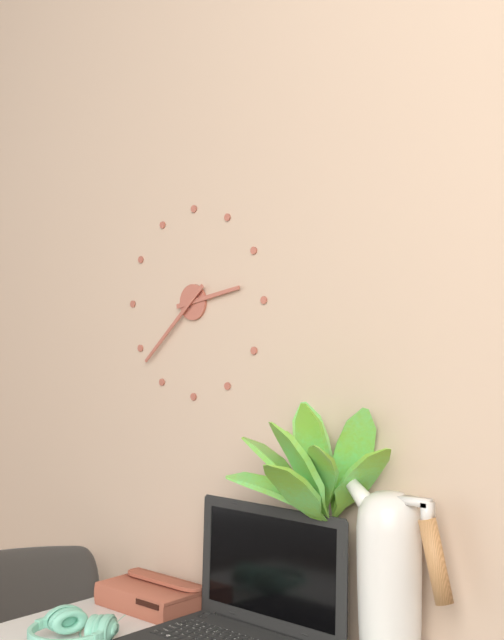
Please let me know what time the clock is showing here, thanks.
2:38
